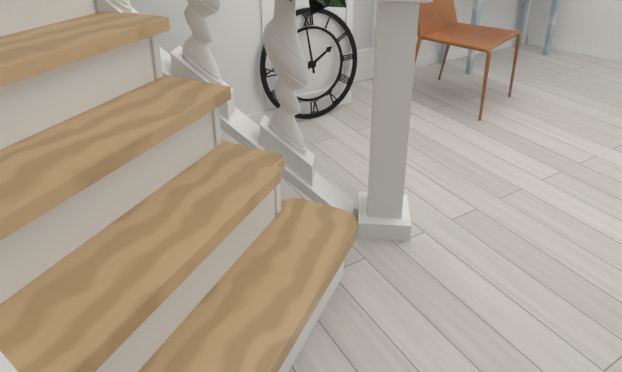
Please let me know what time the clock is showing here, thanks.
1:59
